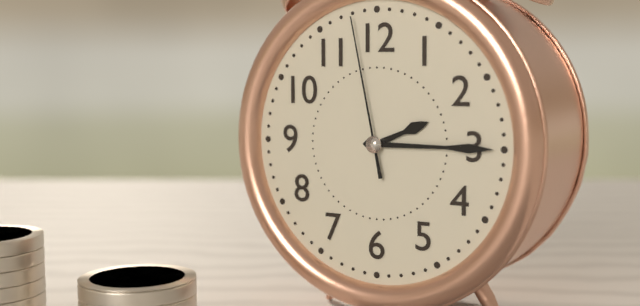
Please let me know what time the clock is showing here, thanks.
2:15:58
